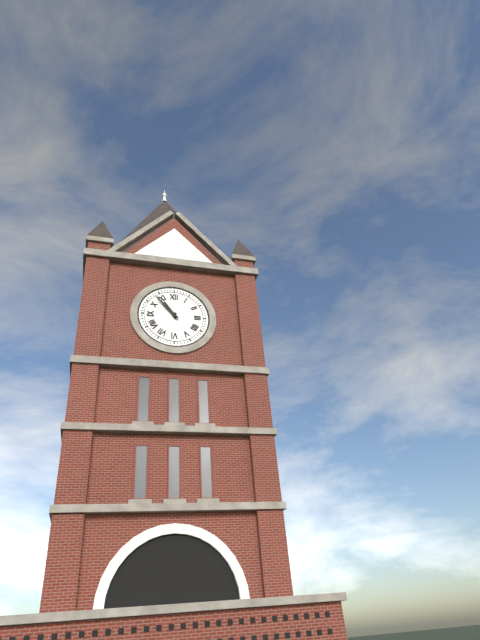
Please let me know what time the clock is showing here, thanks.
10:53
